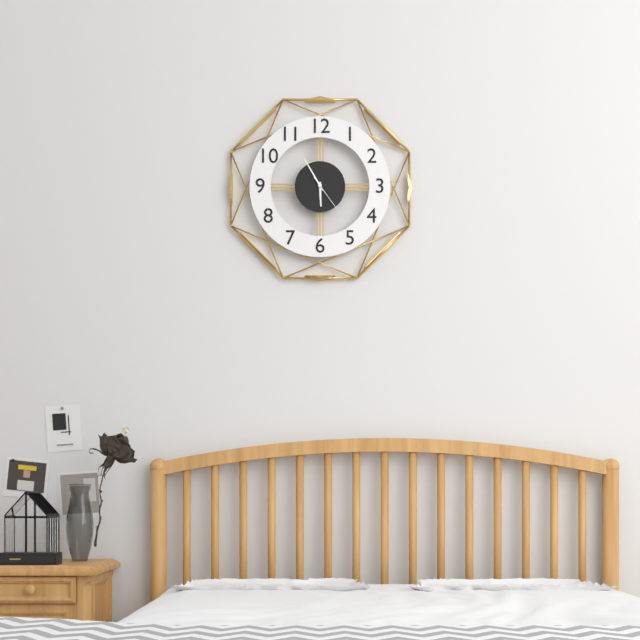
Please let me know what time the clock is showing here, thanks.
5:55
